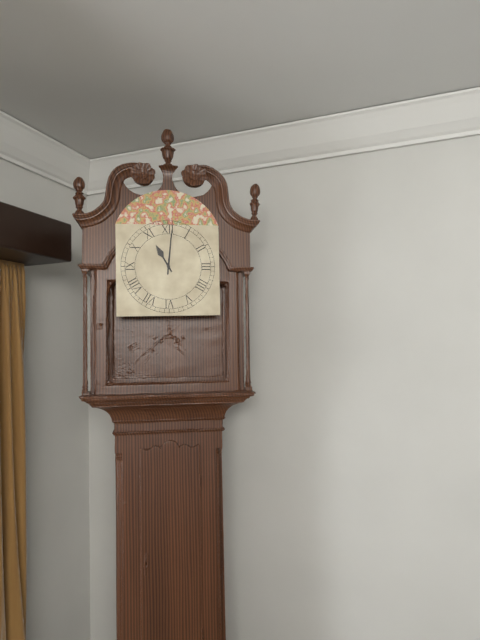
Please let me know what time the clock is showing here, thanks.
11:01
